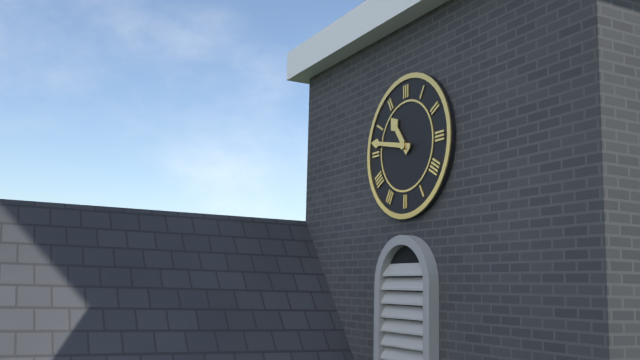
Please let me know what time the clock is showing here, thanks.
10:47
